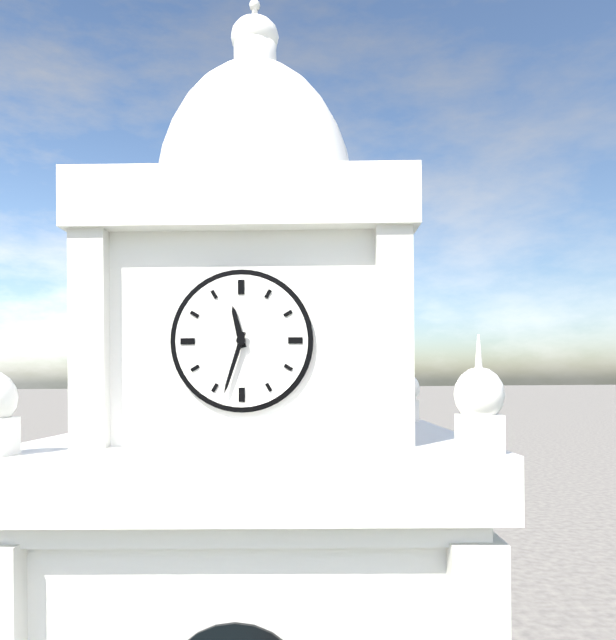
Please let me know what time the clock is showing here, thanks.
11:33
